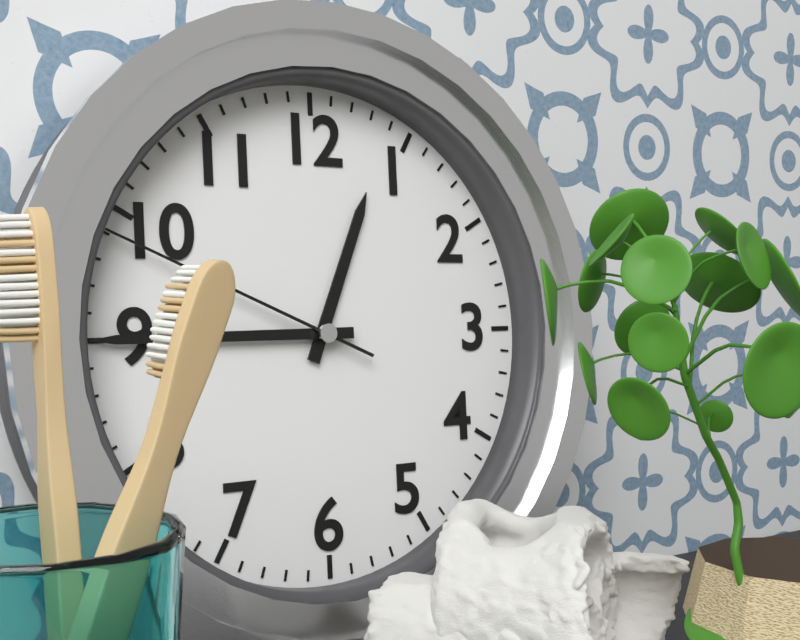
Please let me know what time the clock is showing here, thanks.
12:45:49
